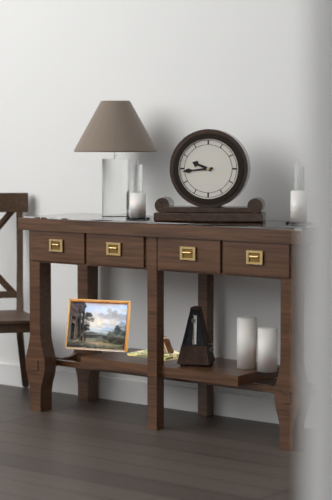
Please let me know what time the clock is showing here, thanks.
9:44
